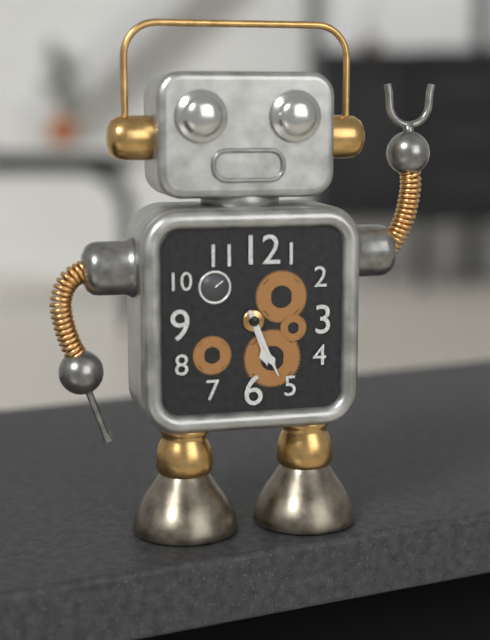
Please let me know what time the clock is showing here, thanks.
5:26
